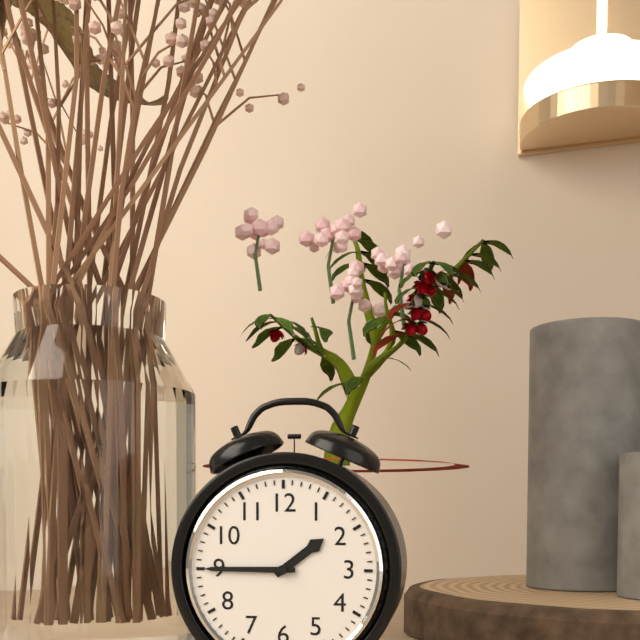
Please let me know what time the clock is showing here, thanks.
1:45
